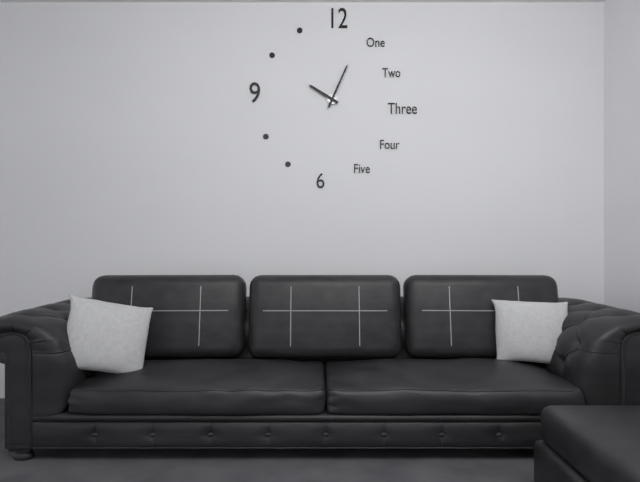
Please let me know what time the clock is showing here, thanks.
10:04
